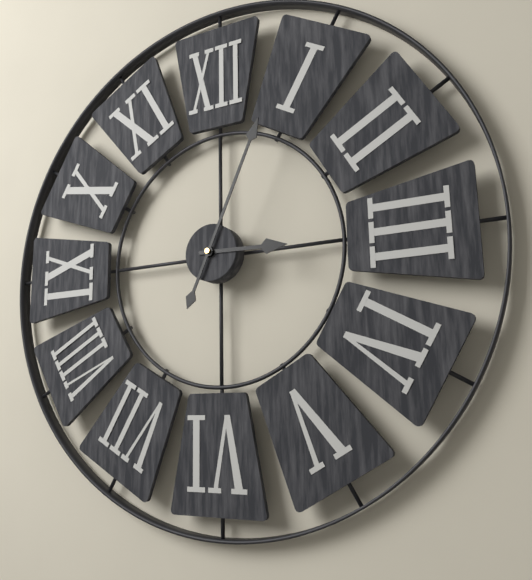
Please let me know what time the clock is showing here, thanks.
3:04
